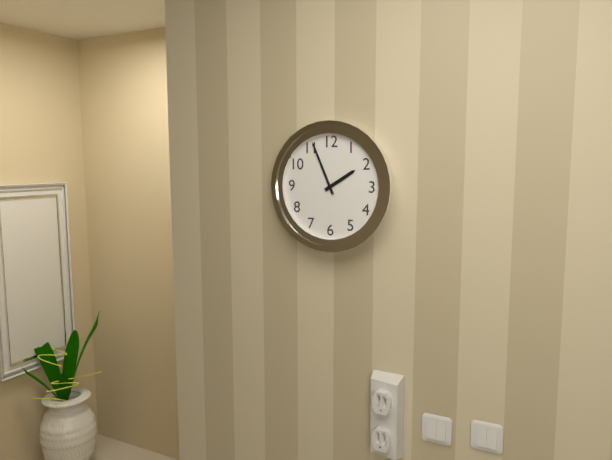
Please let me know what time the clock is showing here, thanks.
1:56
